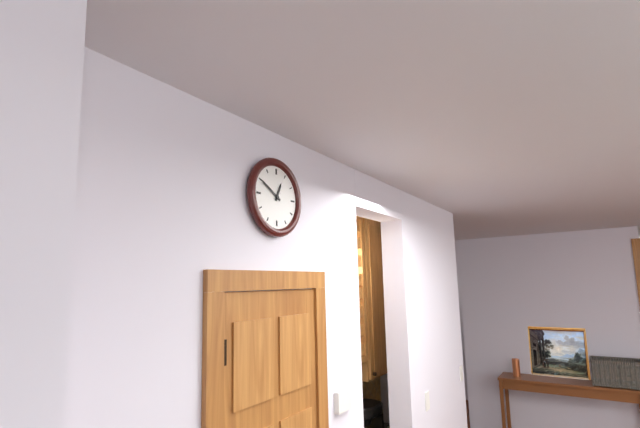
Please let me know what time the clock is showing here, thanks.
12:50
